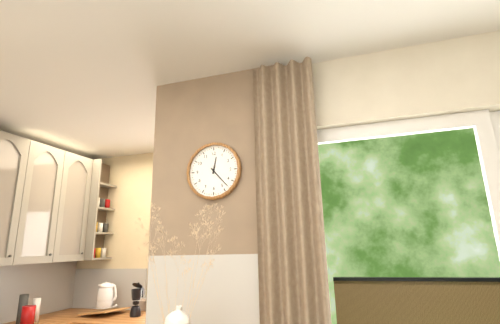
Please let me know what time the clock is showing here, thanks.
12:23
